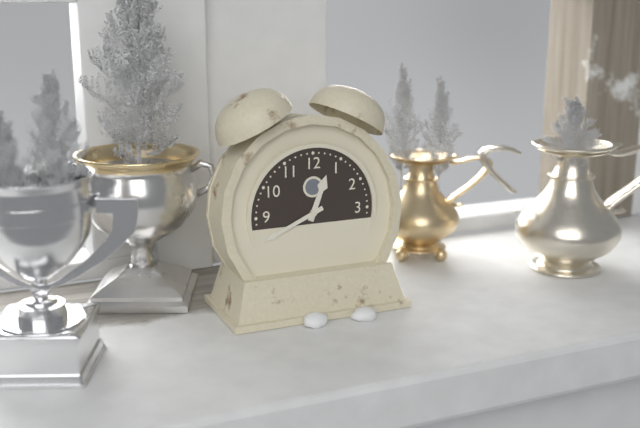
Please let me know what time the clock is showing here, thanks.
12:41
